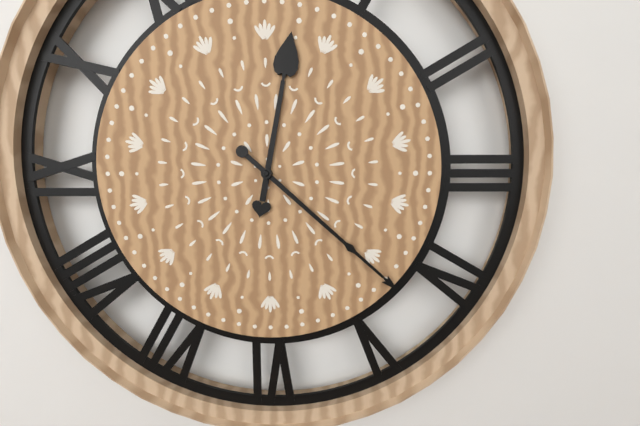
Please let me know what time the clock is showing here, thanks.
12:22
